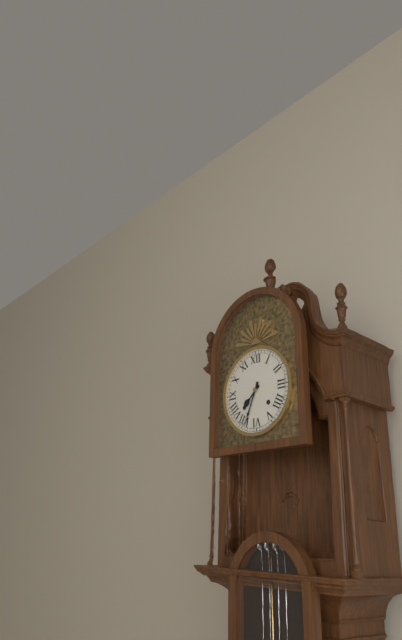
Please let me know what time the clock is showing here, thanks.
7:34
